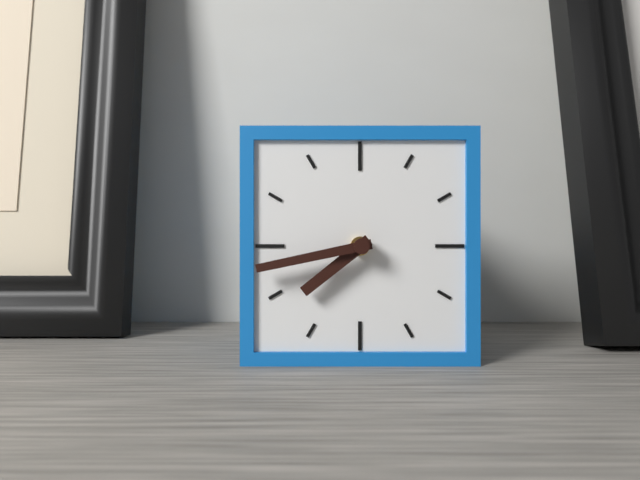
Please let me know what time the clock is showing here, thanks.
7:43
